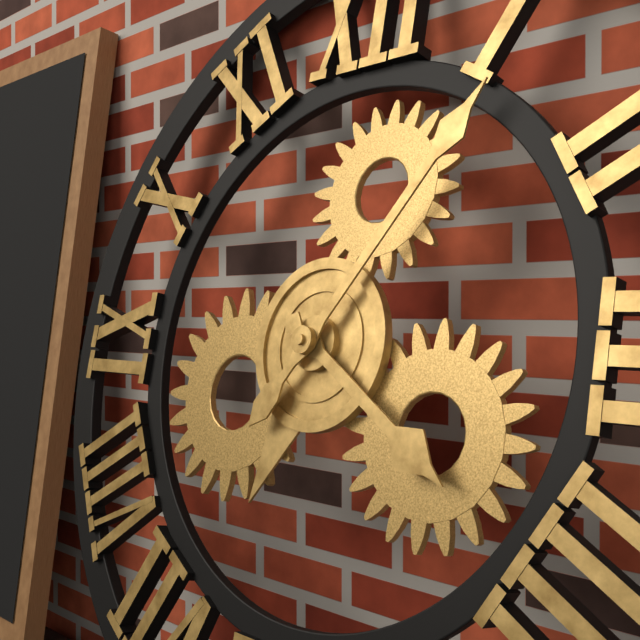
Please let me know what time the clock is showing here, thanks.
4:06
